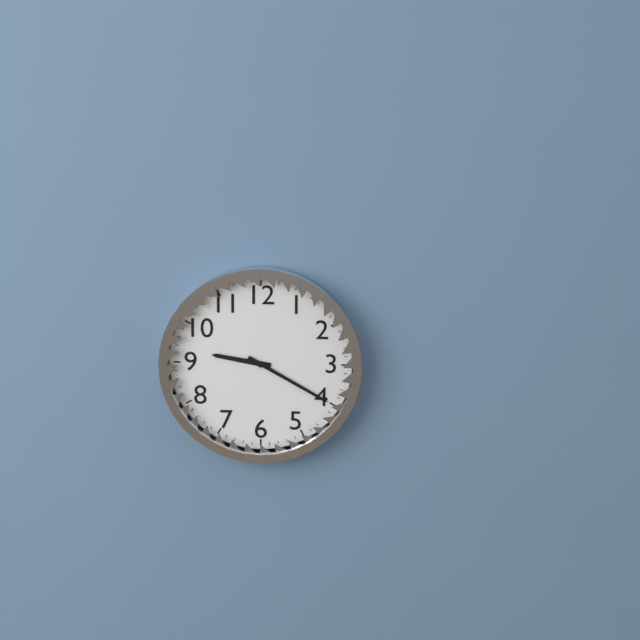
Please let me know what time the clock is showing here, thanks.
9:20
